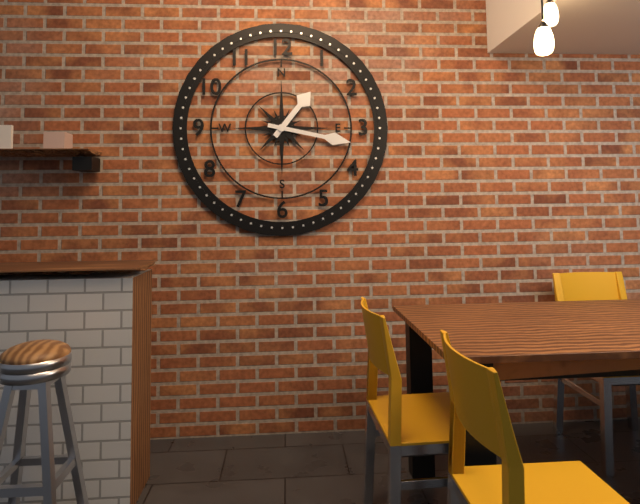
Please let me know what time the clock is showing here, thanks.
1:17
